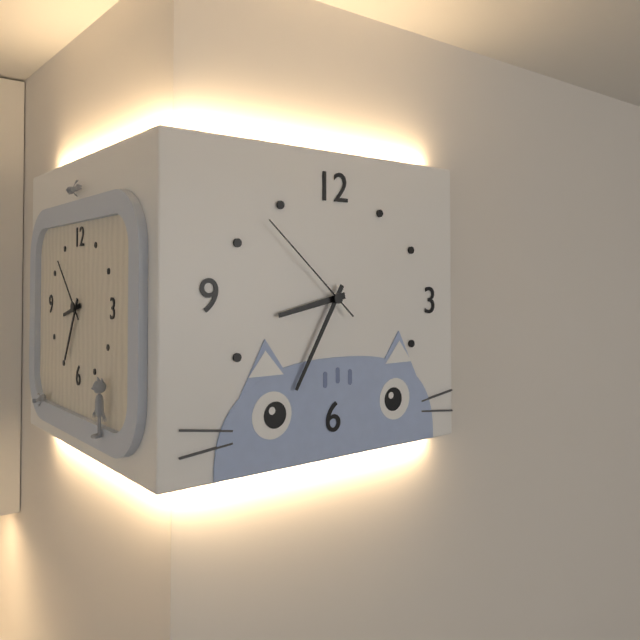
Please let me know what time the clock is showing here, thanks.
8:35:52
